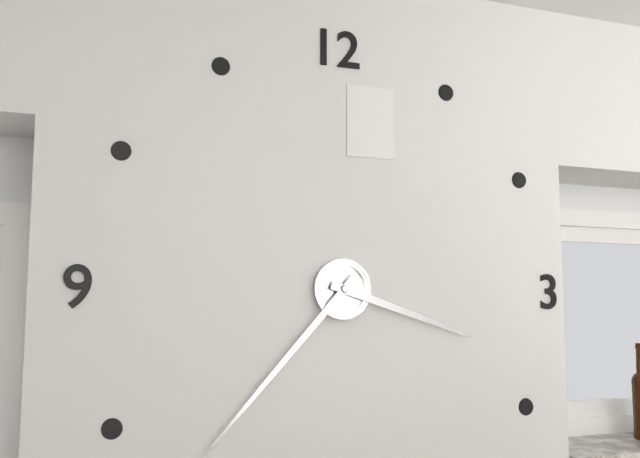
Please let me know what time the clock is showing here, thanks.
3:37
